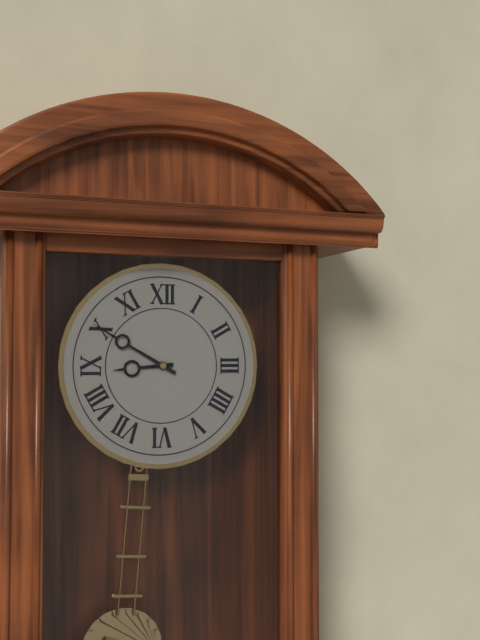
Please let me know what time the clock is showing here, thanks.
8:50
